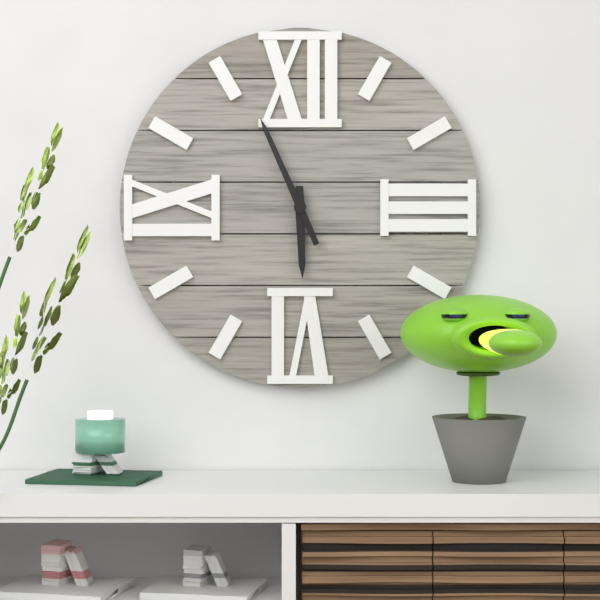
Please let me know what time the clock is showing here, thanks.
5:56
